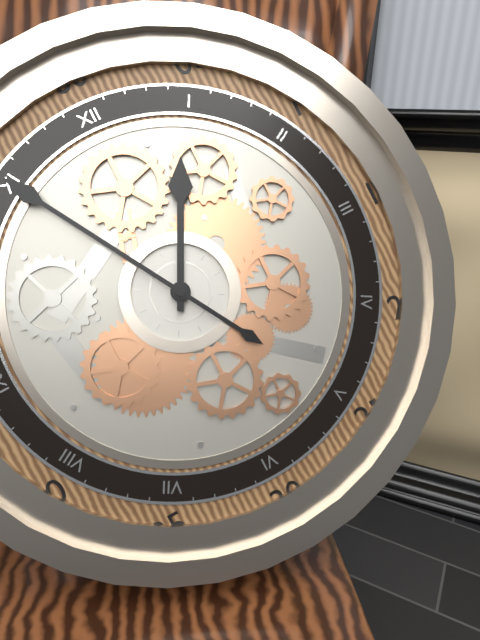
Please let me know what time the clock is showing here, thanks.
12:55
